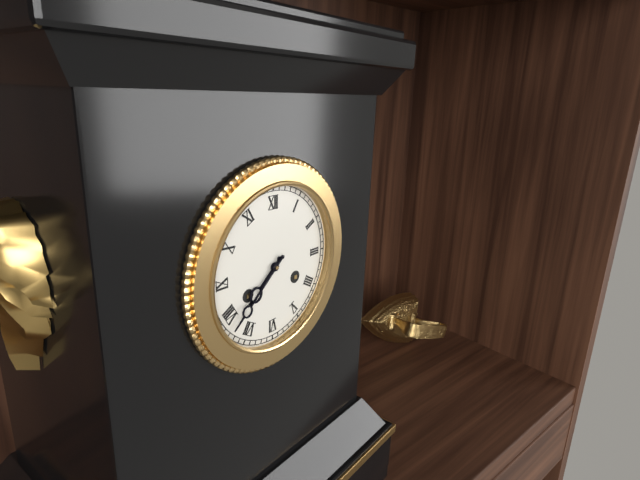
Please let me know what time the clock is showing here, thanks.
7:38
